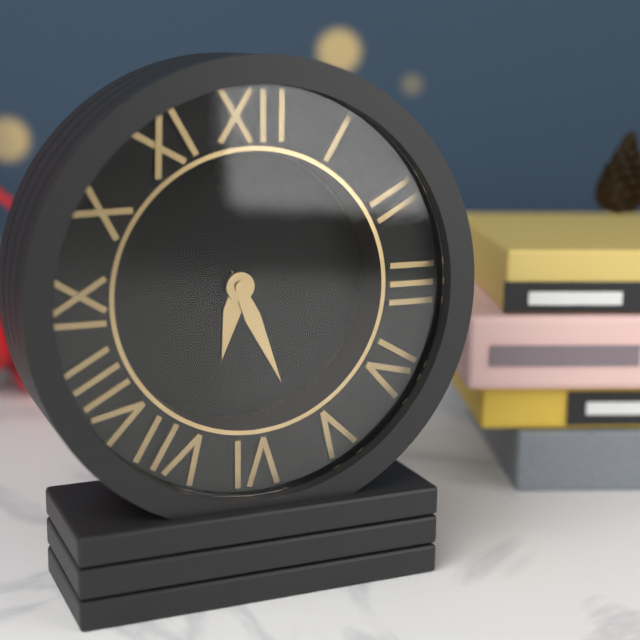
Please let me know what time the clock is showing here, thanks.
6:26
